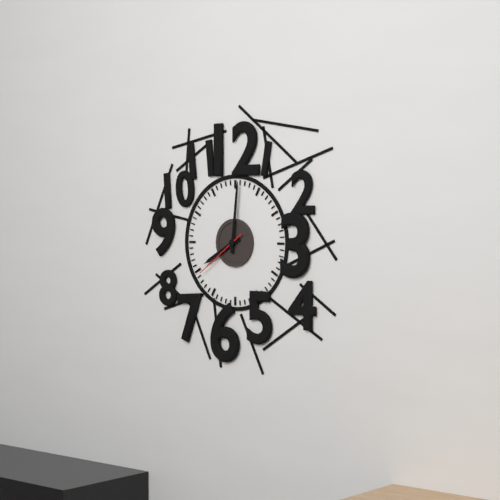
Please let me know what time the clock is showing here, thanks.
8:01:39
